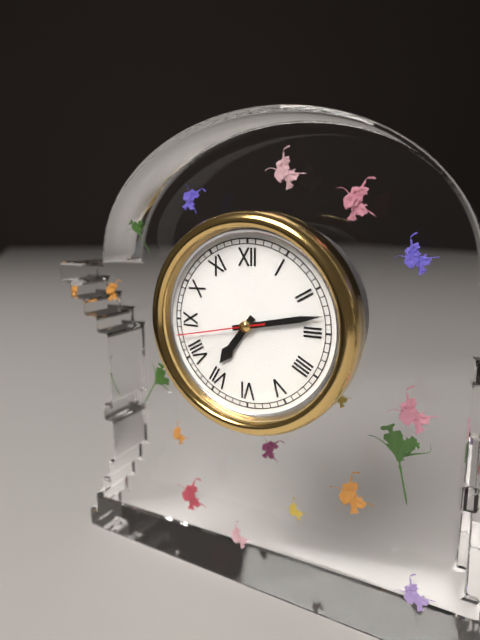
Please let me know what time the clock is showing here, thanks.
7:13:43
